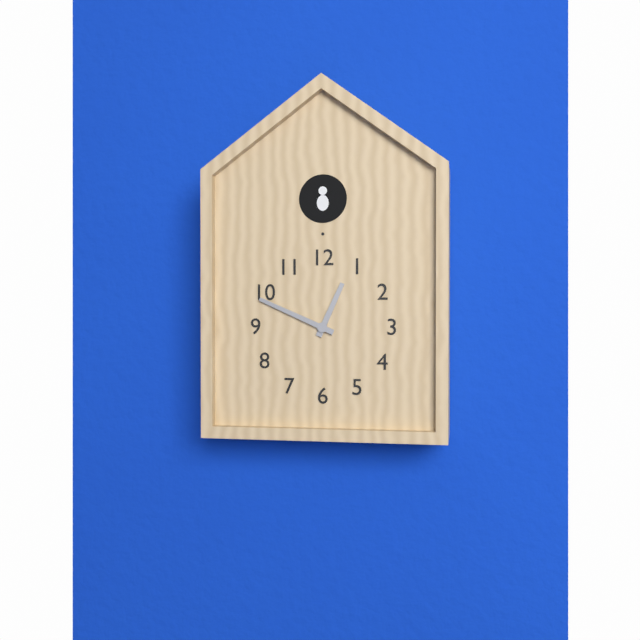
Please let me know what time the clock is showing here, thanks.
12:49
